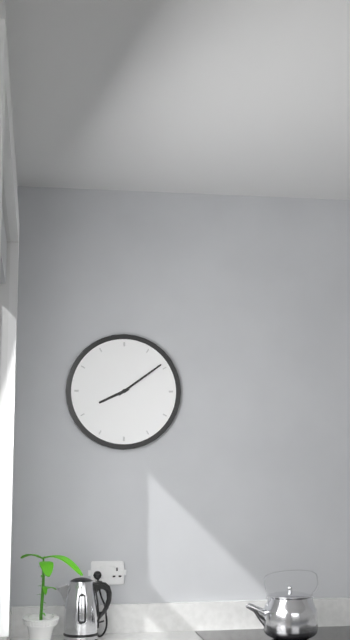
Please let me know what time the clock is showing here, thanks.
8:09
